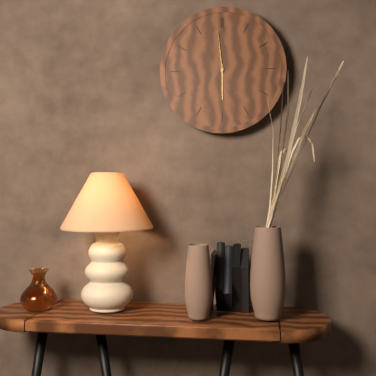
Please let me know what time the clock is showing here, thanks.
5:59
